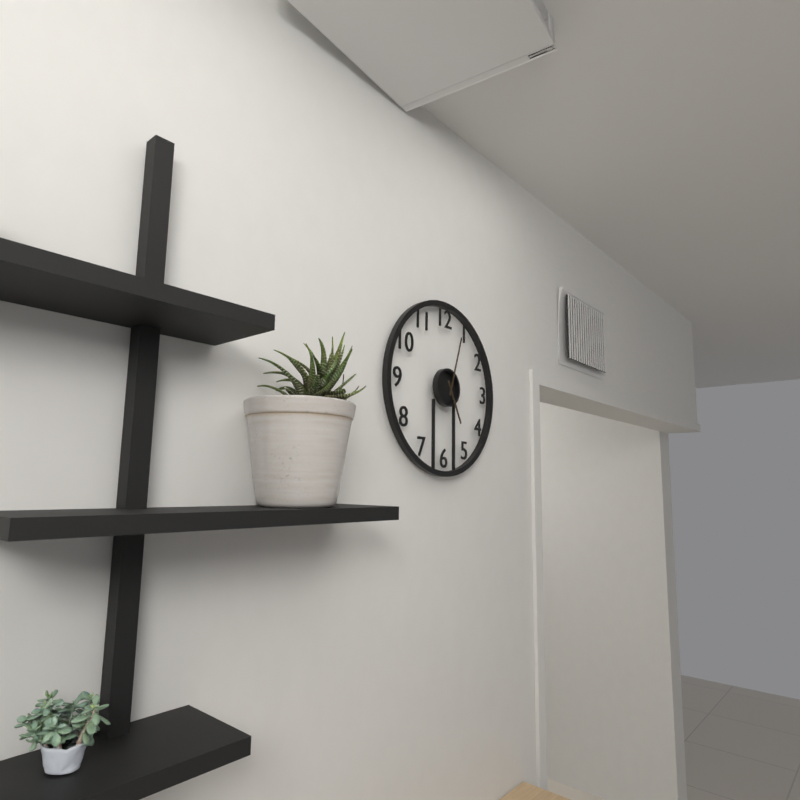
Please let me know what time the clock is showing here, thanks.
5:03
